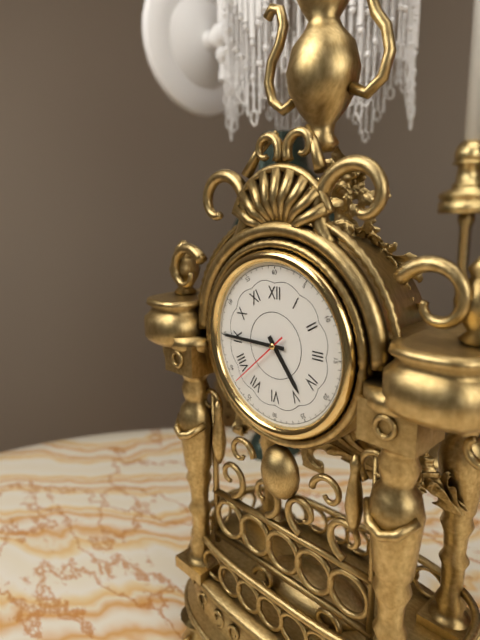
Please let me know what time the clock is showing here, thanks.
4:45:38
